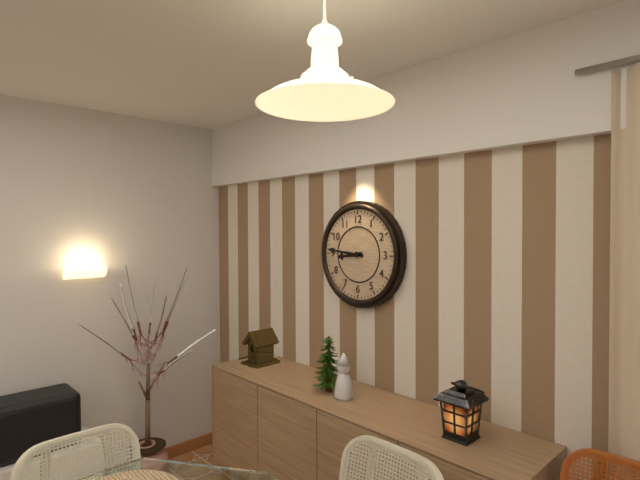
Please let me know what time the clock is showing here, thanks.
8:46
